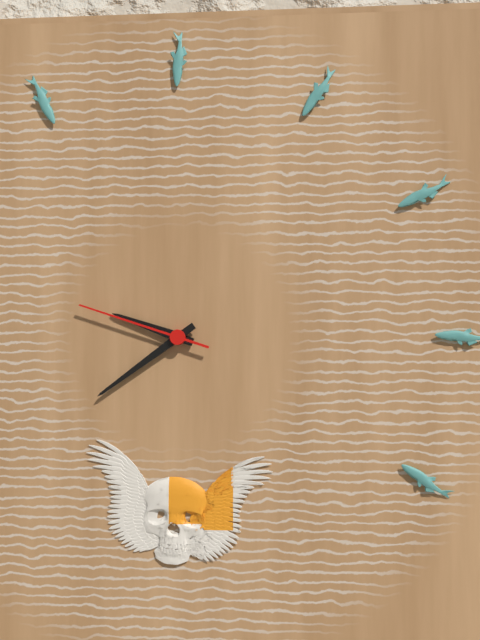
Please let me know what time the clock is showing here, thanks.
9:39:48
